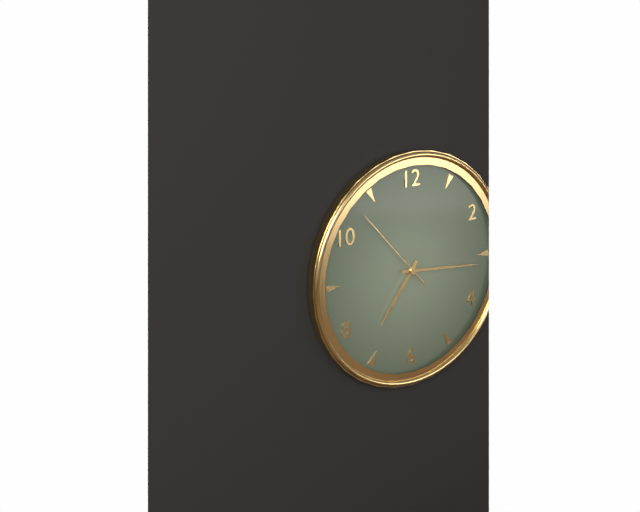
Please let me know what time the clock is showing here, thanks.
7:16:53
